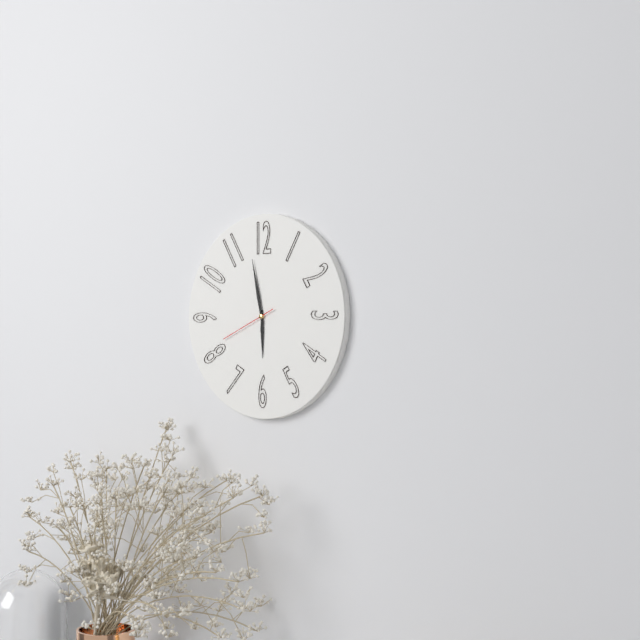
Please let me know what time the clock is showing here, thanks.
5:58:41
